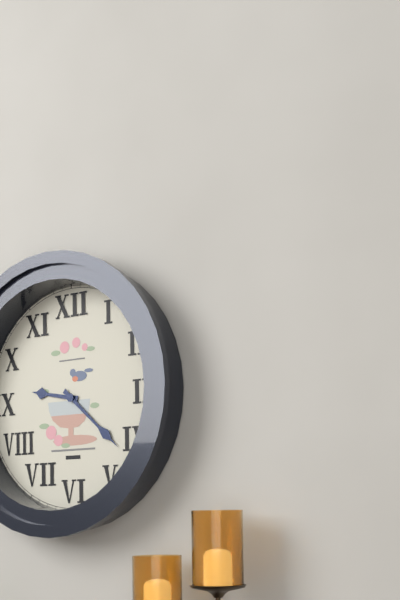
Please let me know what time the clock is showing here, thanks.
9:22
